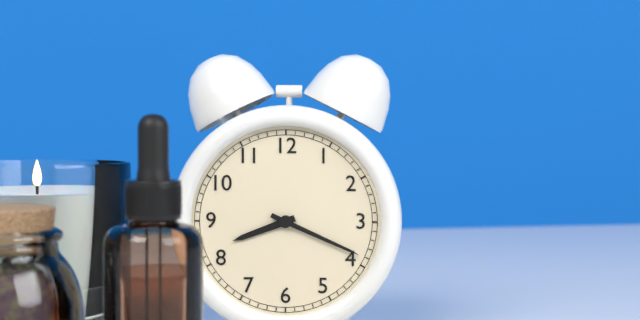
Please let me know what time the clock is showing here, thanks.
8:19
